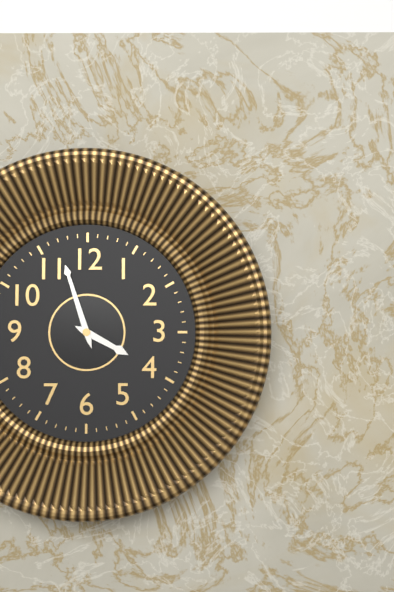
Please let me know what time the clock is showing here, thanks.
3:57
